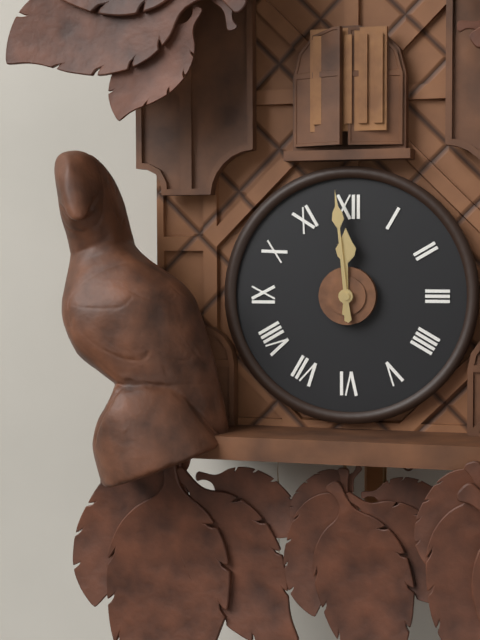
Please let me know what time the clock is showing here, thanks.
11:59
